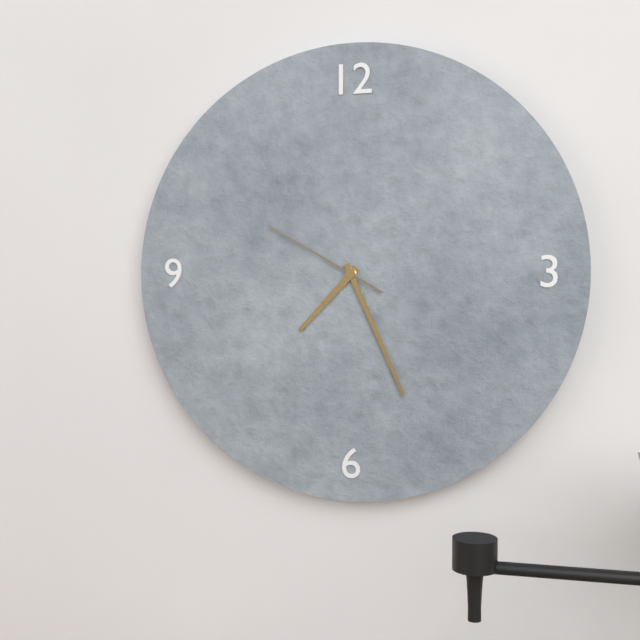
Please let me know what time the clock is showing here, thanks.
7:26:50
